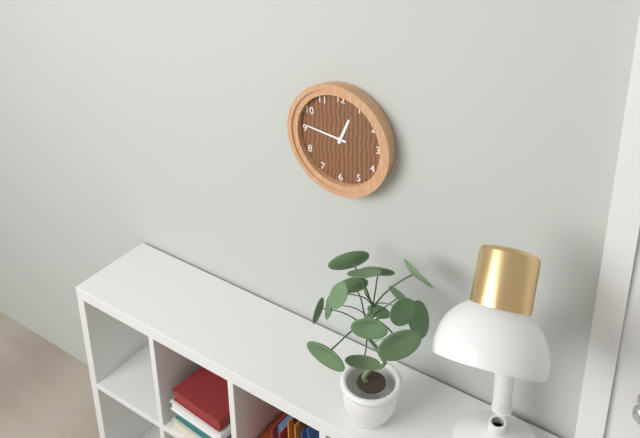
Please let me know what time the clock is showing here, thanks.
12:46
